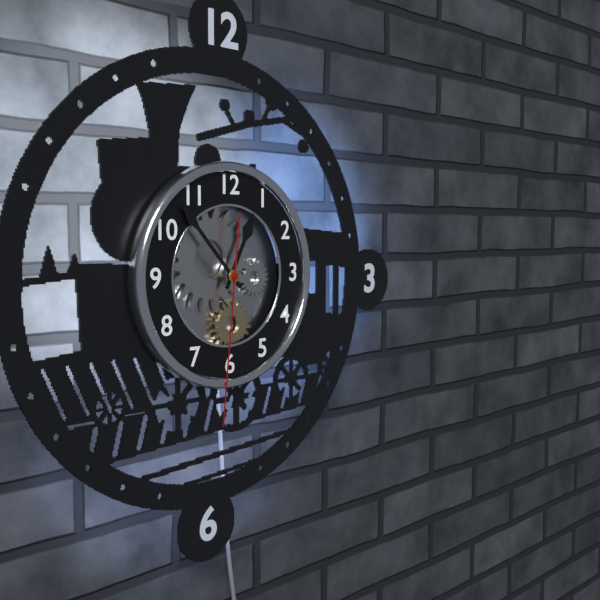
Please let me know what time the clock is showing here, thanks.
12:53:31
